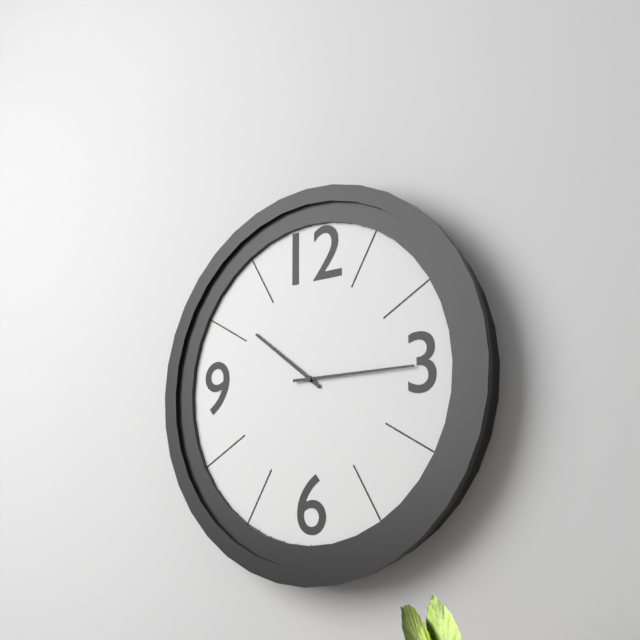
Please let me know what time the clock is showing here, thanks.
10:15
